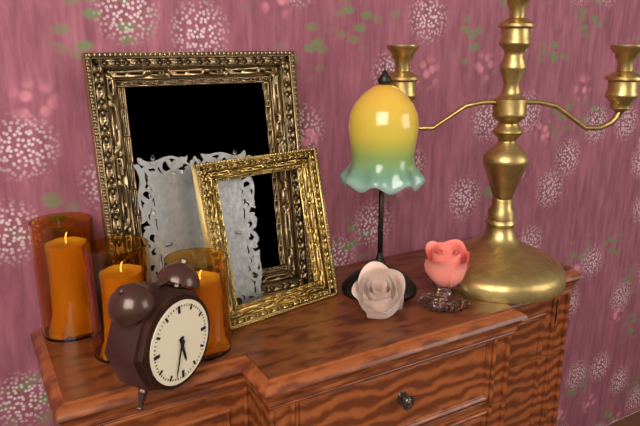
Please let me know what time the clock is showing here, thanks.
5:33
